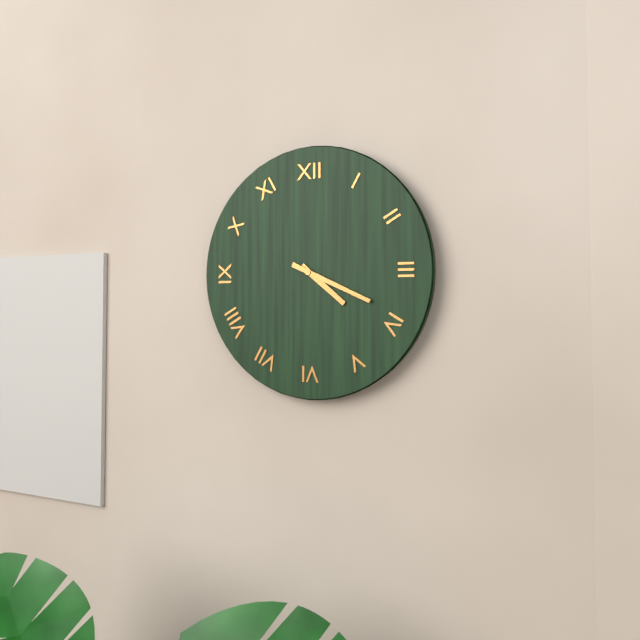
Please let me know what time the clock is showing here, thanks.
4:19
